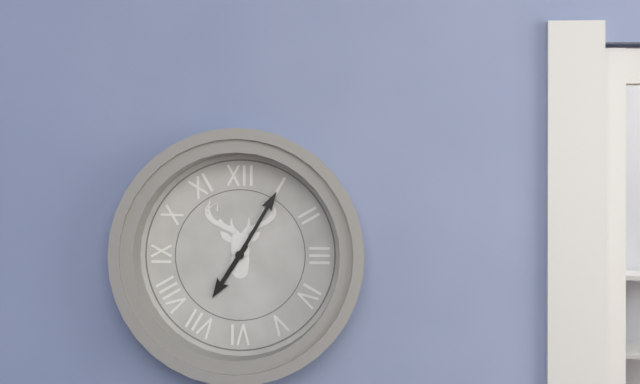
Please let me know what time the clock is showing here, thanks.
7:05
